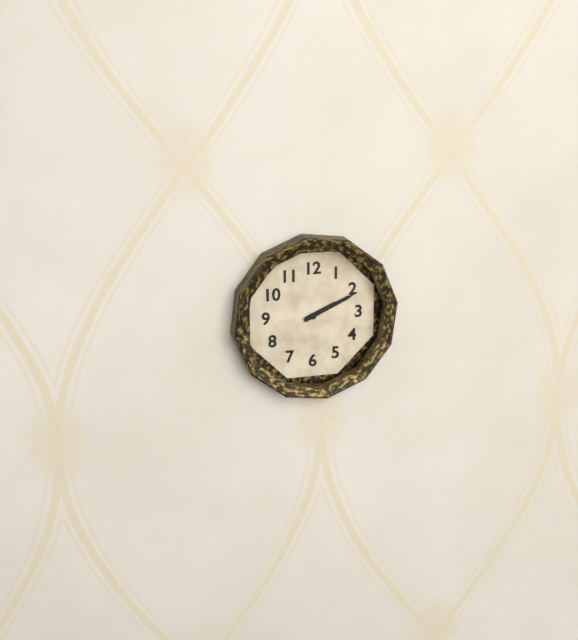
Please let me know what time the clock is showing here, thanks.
2:11
